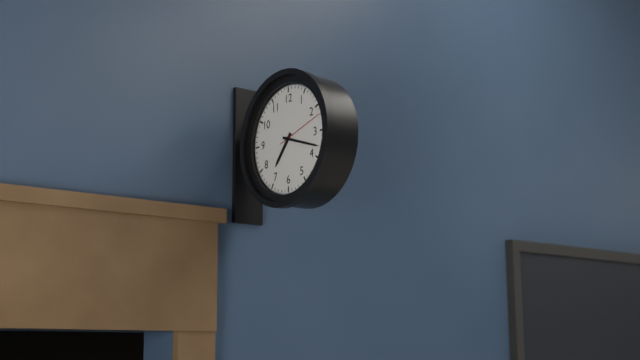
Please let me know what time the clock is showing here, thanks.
7:18
